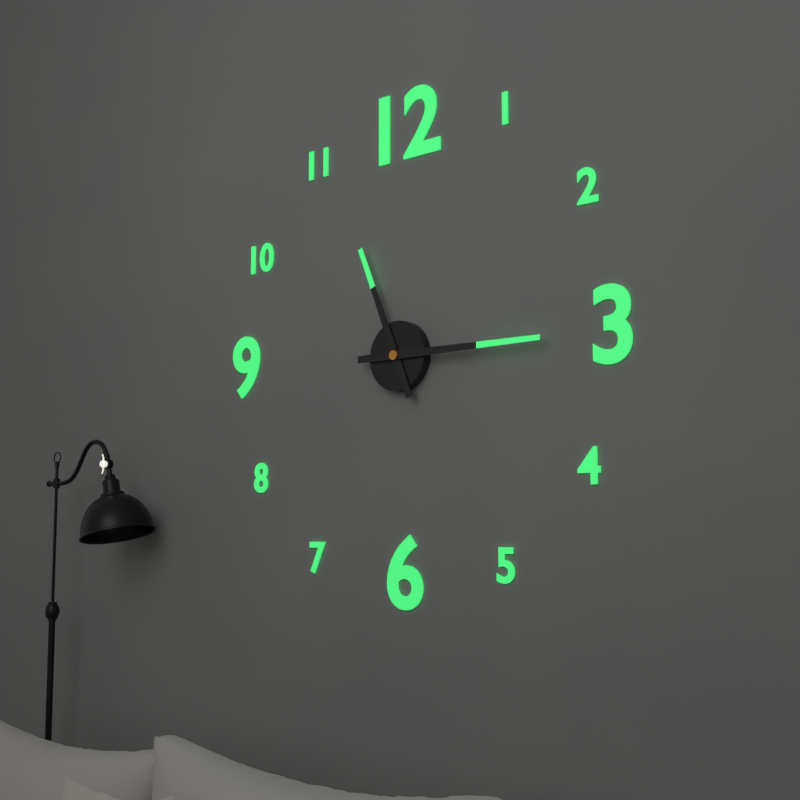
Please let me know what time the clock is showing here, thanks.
11:15
